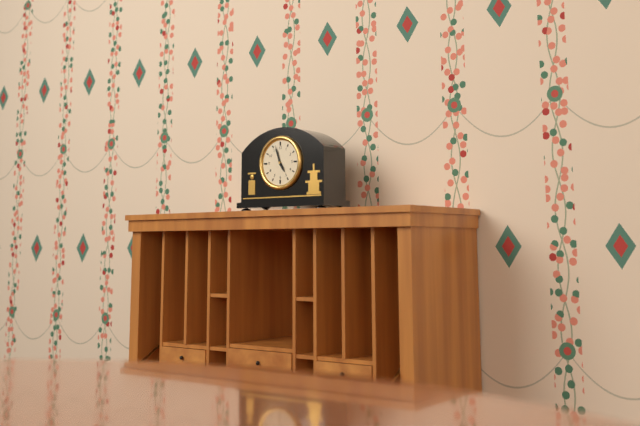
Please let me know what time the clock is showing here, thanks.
4:57
